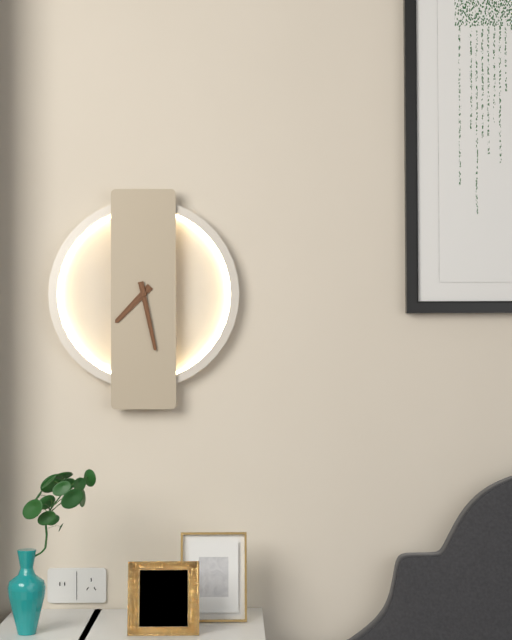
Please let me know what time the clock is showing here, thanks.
7:28
